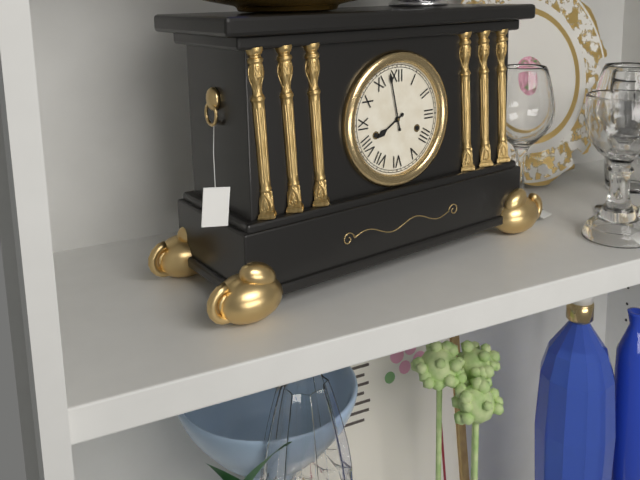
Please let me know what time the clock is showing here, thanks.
7:58
